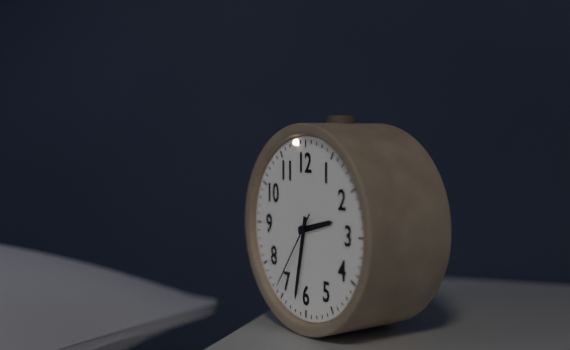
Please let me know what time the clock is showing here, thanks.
2:32:36
